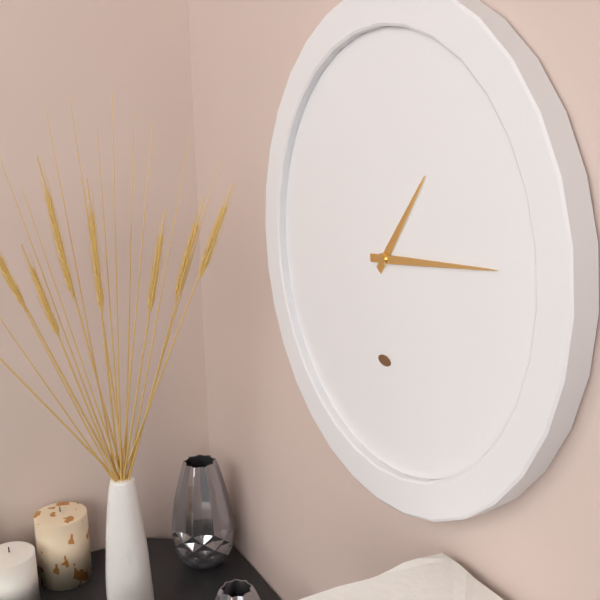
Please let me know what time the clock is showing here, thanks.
1:14
